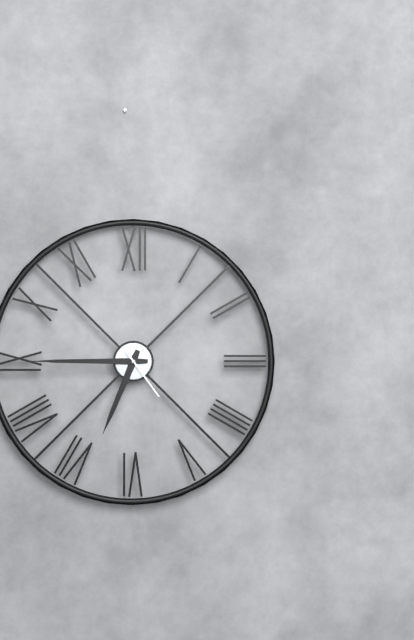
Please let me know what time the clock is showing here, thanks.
6:45:24
